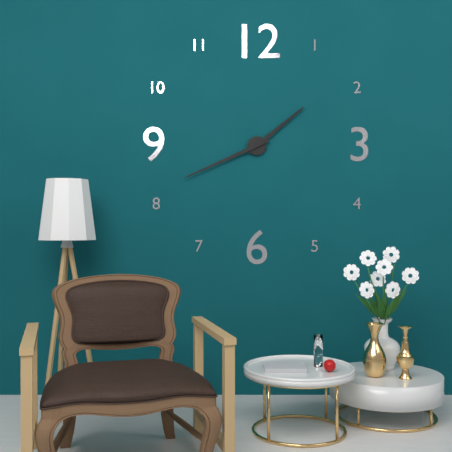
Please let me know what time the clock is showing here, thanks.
1:41
